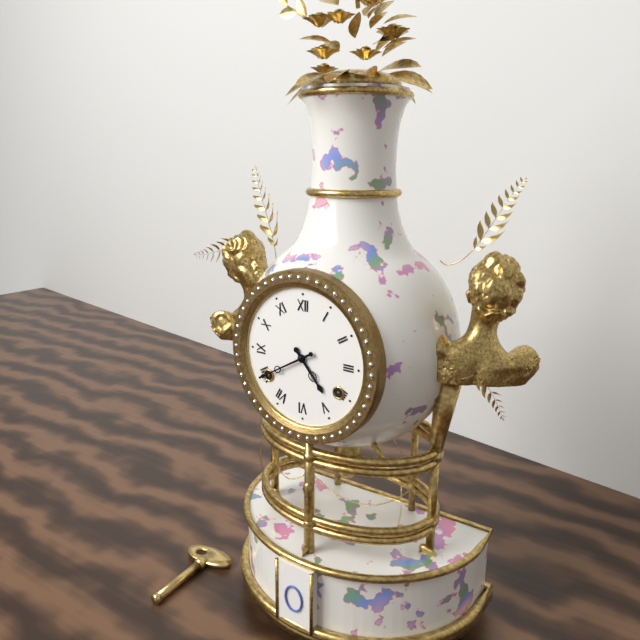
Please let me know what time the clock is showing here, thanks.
4:40
